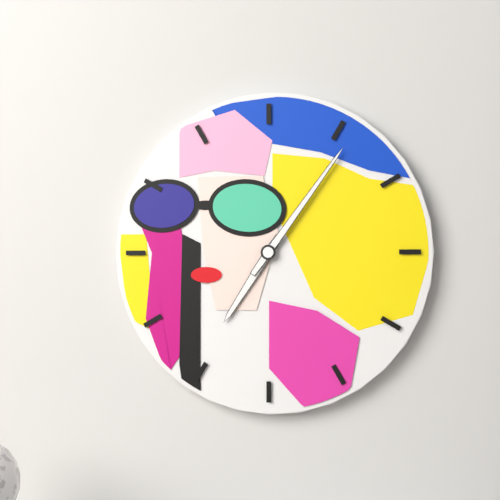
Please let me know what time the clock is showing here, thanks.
7:06
